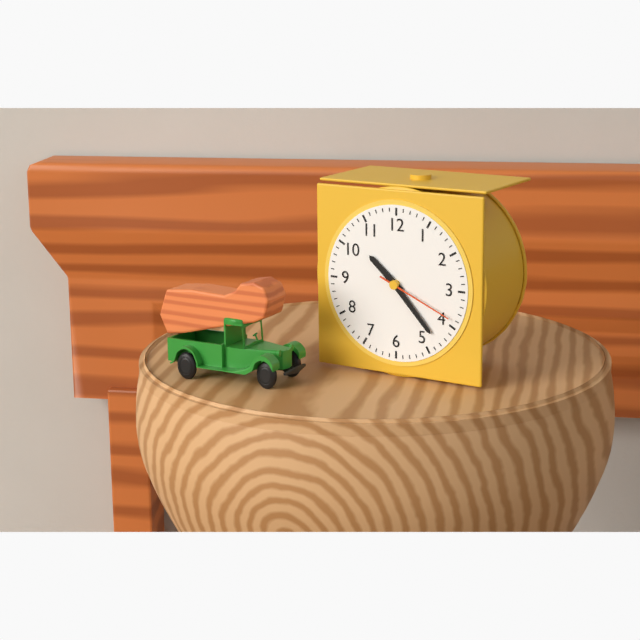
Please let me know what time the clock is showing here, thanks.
10:23:19
